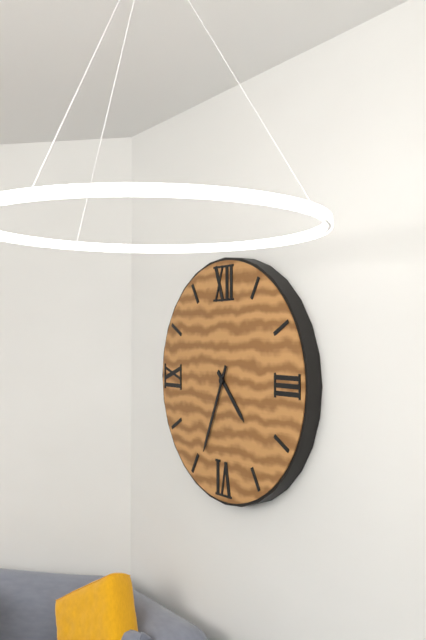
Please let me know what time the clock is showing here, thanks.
4:34
